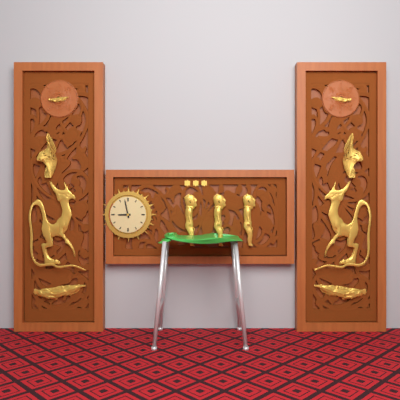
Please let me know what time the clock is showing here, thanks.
8:58
